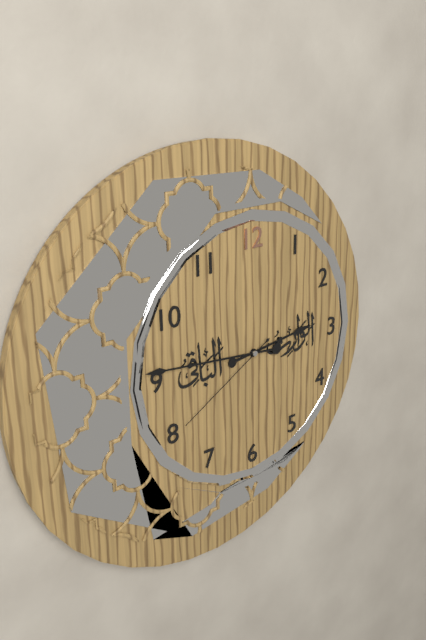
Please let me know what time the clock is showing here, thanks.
2:46:40
